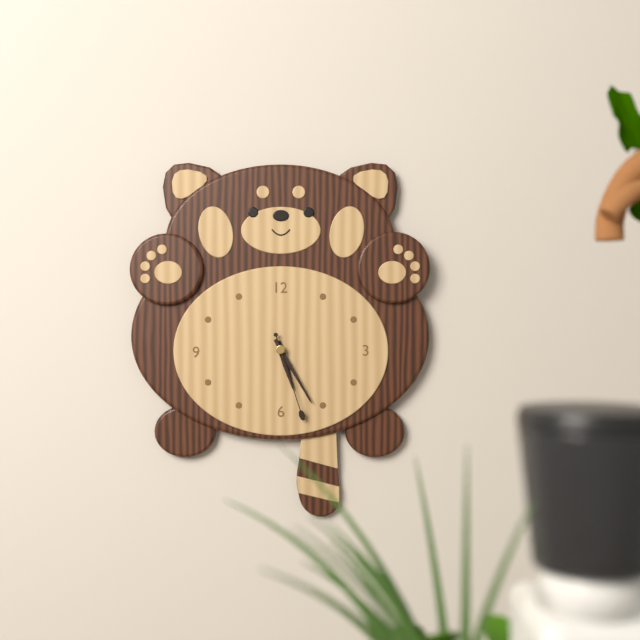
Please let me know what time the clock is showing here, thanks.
5:25:27
